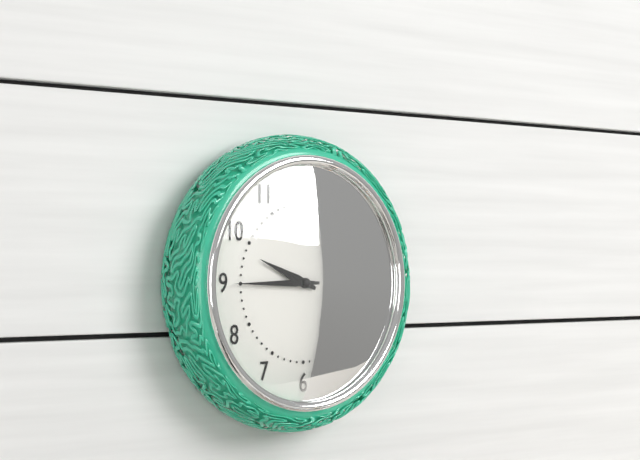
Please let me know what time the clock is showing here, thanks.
9:45
